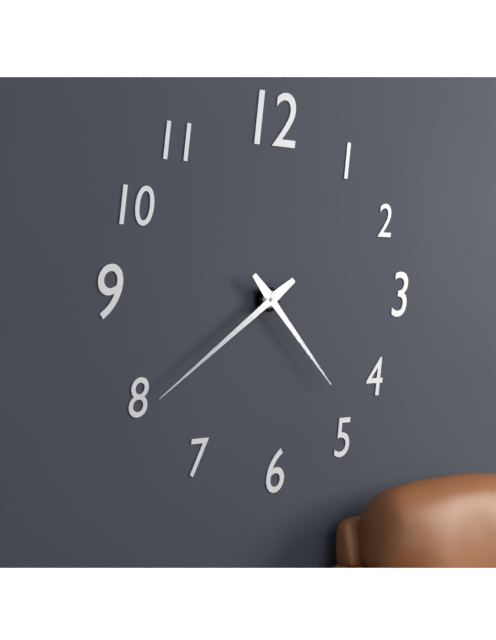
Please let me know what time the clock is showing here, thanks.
4:39
